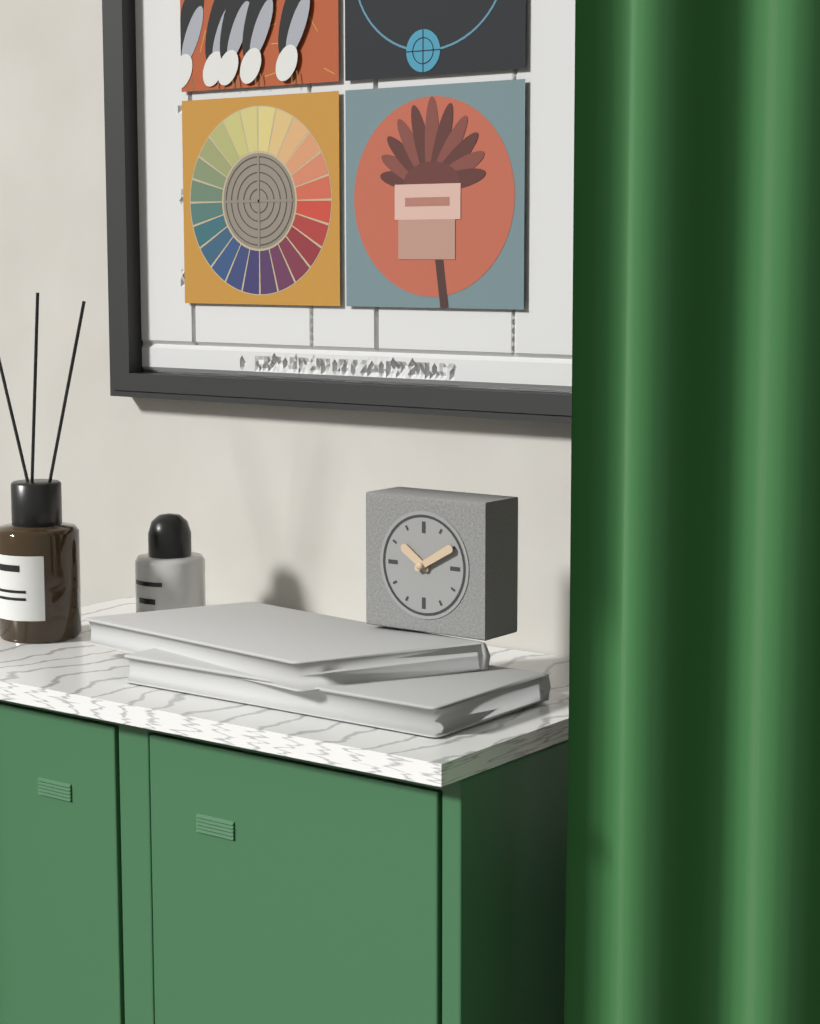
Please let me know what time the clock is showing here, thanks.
10:10
